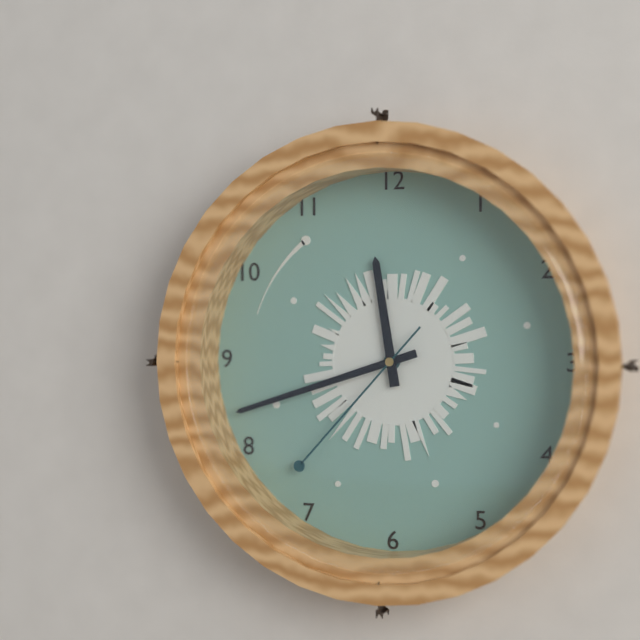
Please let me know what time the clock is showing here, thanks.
11:42:37
